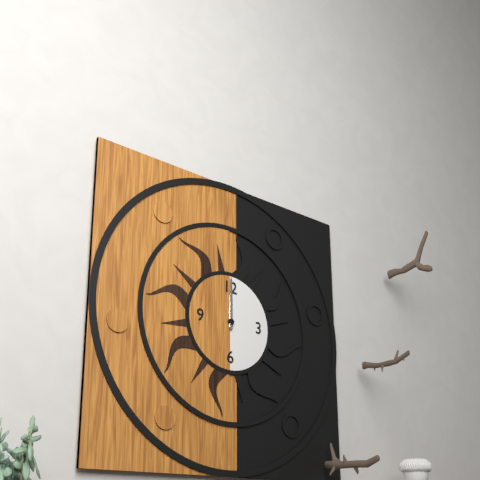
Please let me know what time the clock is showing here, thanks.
12:00
